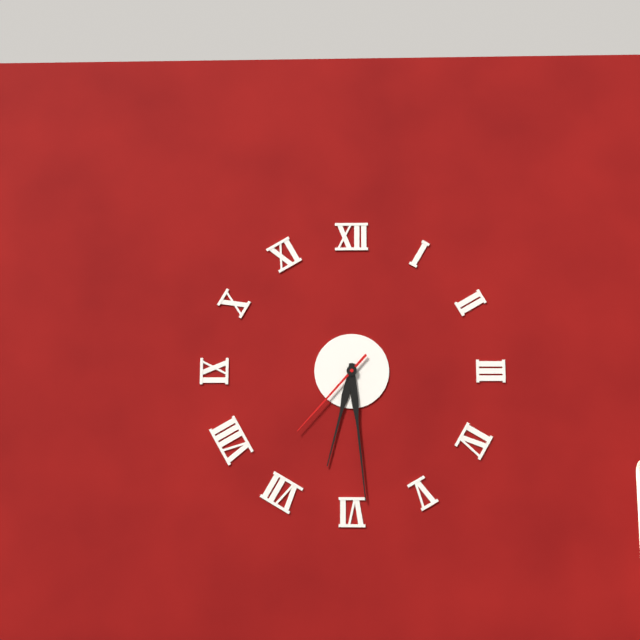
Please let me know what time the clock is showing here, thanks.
6:29:37
